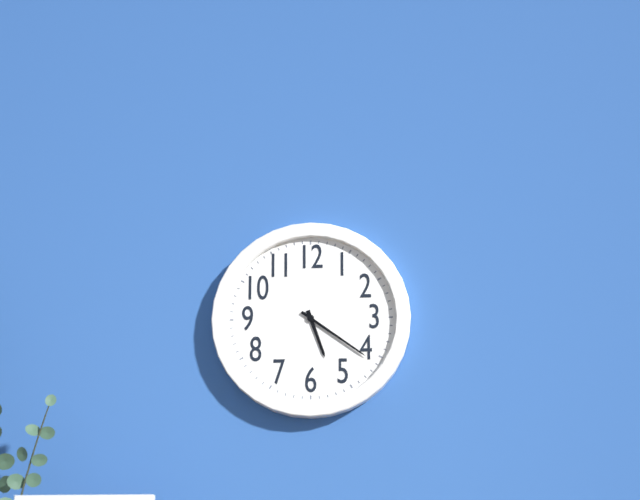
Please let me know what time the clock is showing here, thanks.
5:21
